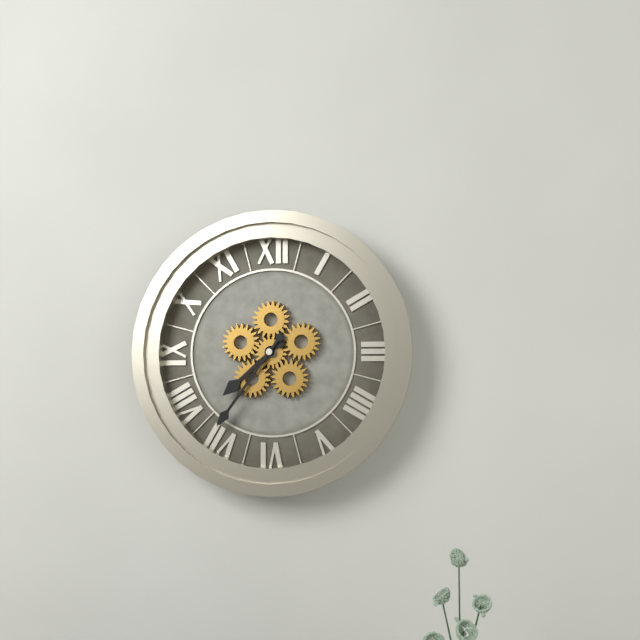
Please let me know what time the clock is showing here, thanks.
7:36
